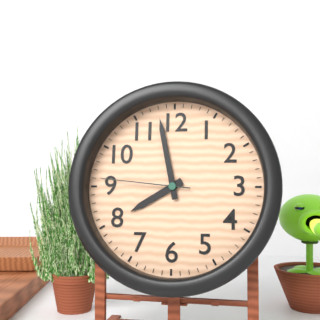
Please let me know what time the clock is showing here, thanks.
7:58:46
